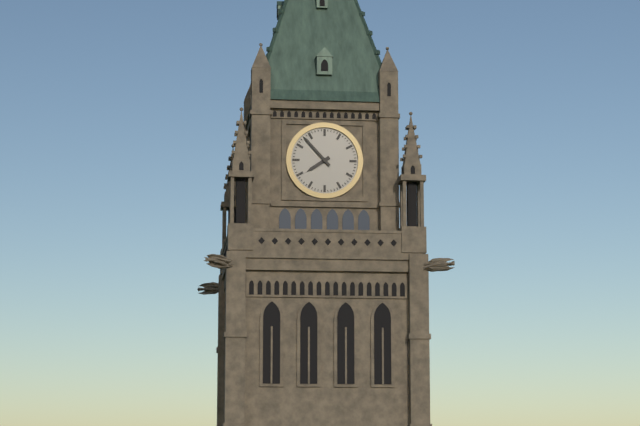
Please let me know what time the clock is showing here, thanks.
7:53
